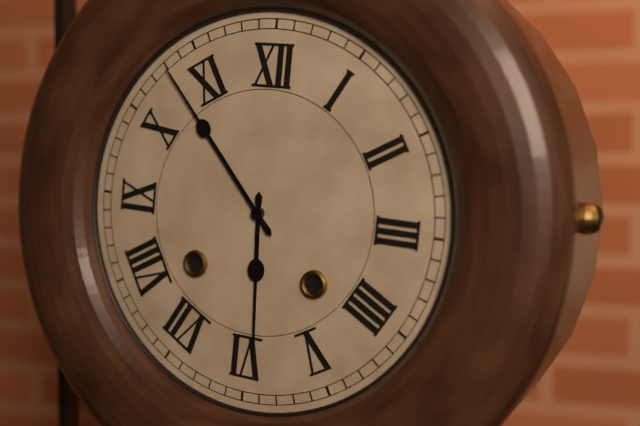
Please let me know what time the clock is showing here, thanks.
5:53
